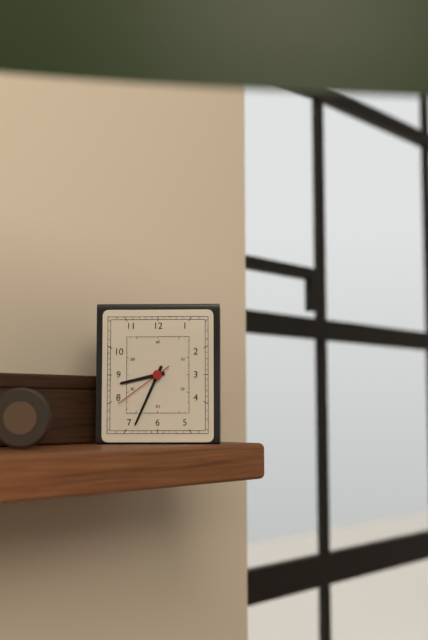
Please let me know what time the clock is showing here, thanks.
8:34:39
